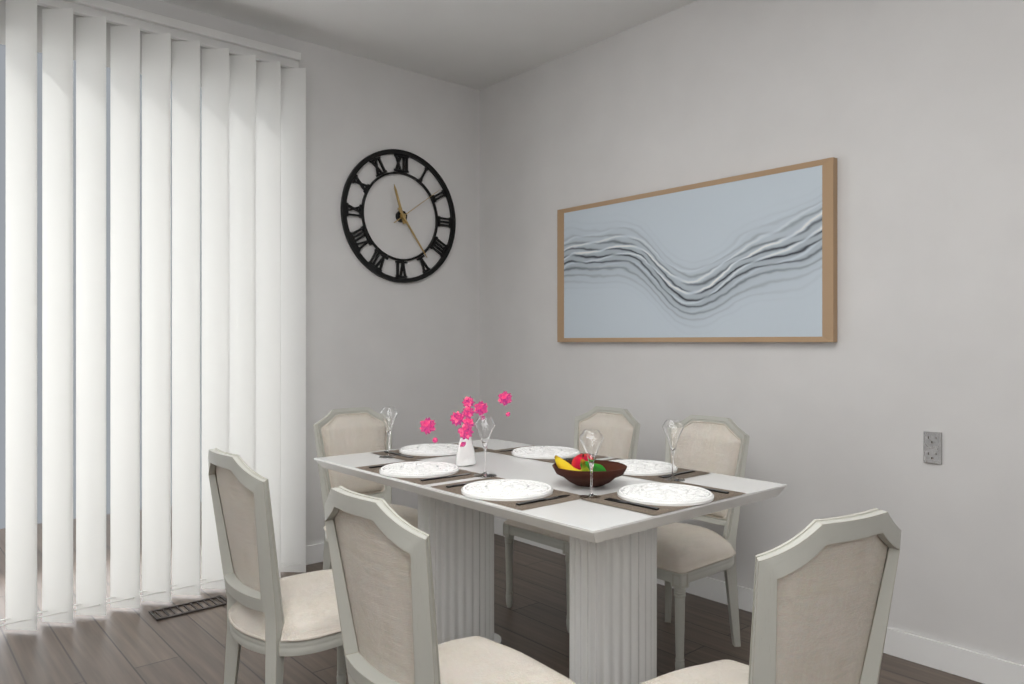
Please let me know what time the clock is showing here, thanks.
11:24:09
